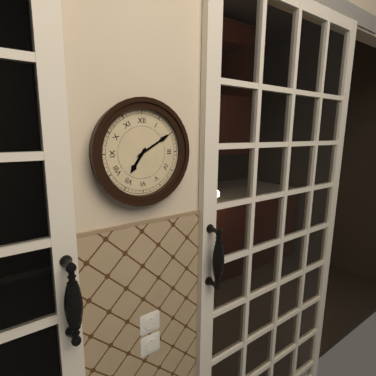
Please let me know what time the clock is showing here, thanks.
7:10
